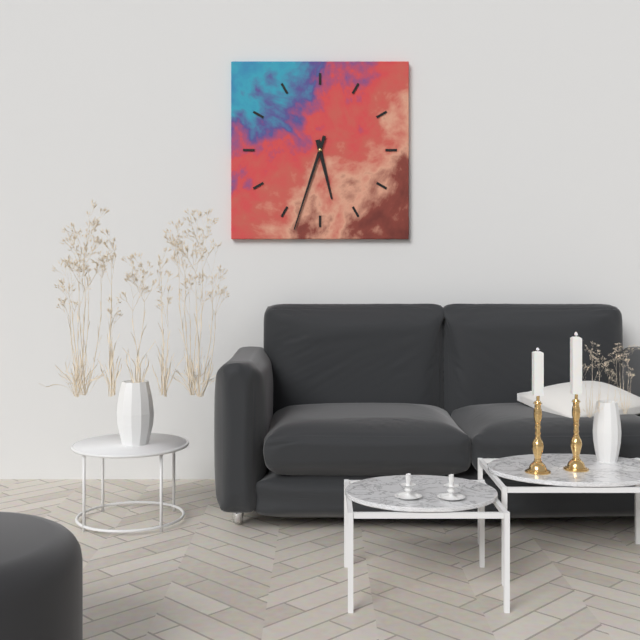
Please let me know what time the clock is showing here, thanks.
5:33
